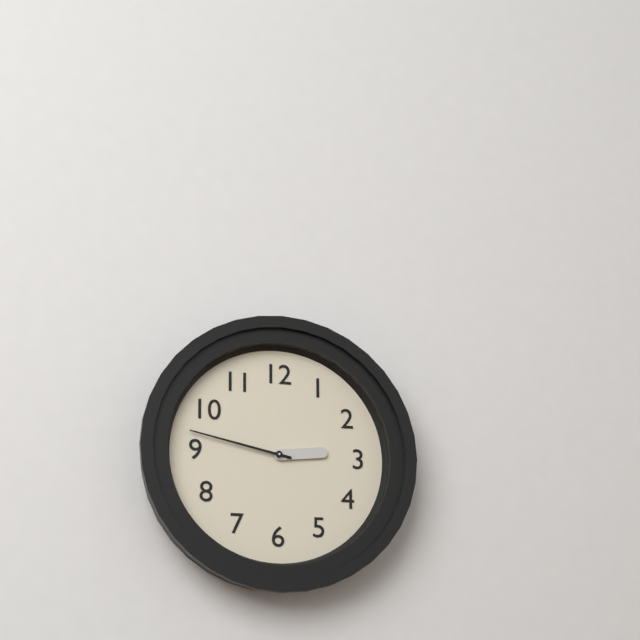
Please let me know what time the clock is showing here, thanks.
2:47
